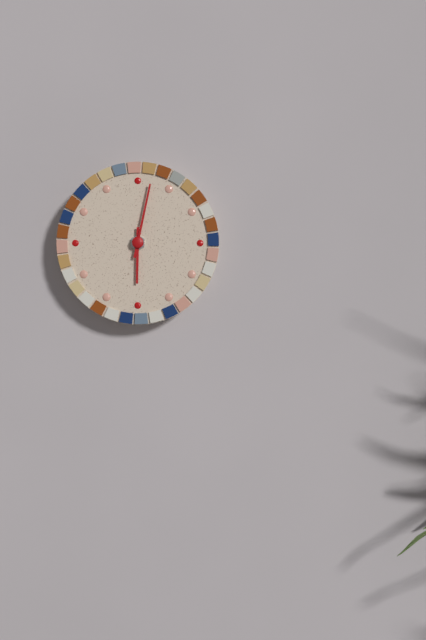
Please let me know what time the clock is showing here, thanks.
6:02
